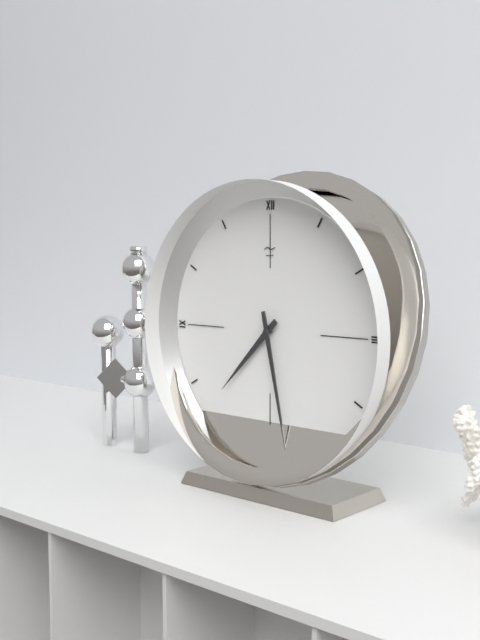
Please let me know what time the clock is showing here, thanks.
7:28
